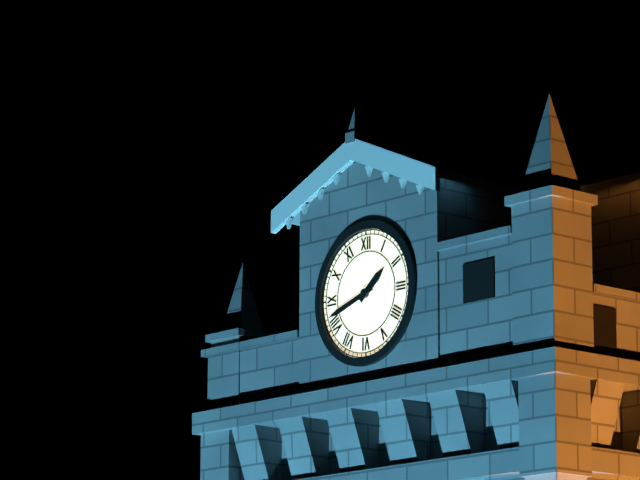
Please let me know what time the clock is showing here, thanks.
1:42
